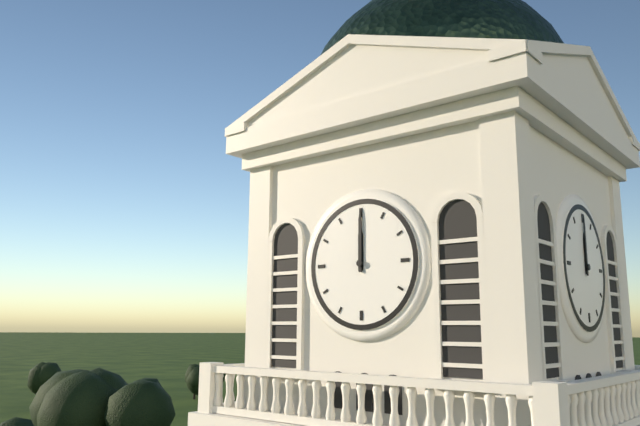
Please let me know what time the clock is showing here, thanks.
12:00
